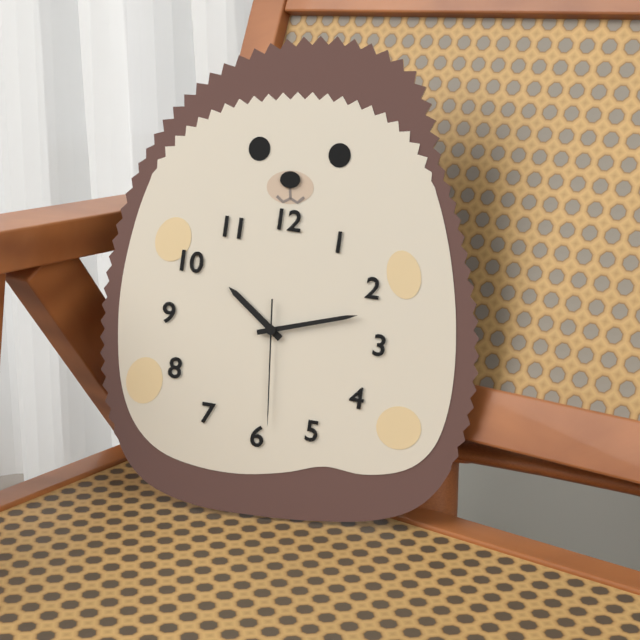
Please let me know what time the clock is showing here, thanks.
10:12:29
